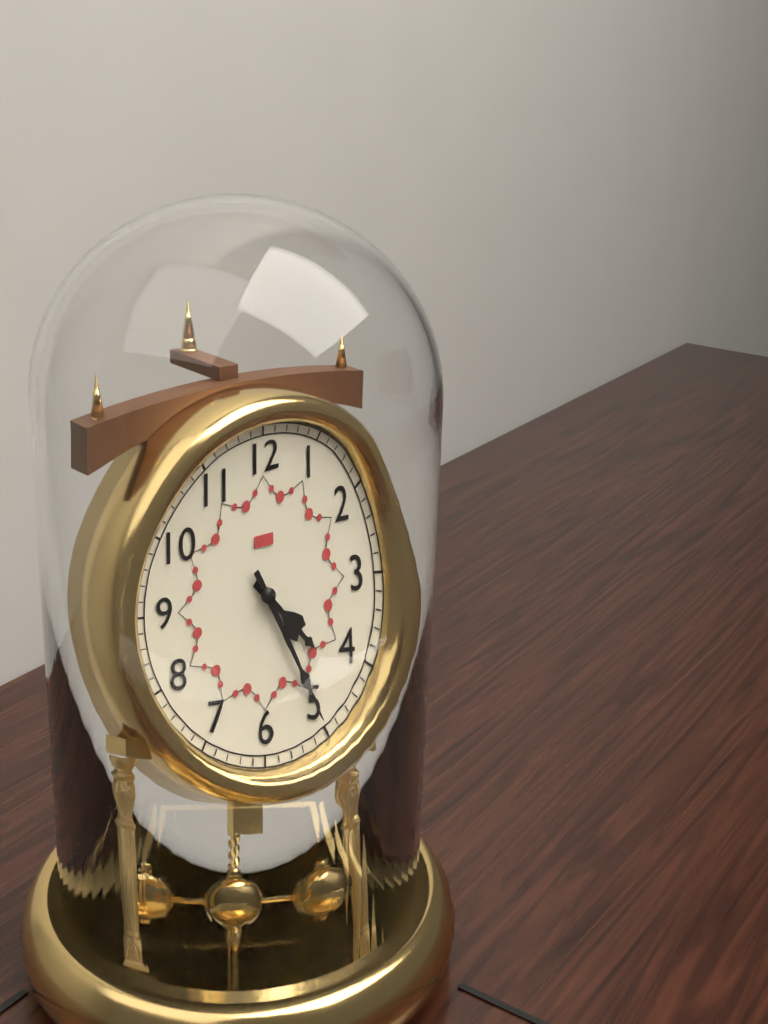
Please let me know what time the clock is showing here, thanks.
4:25
